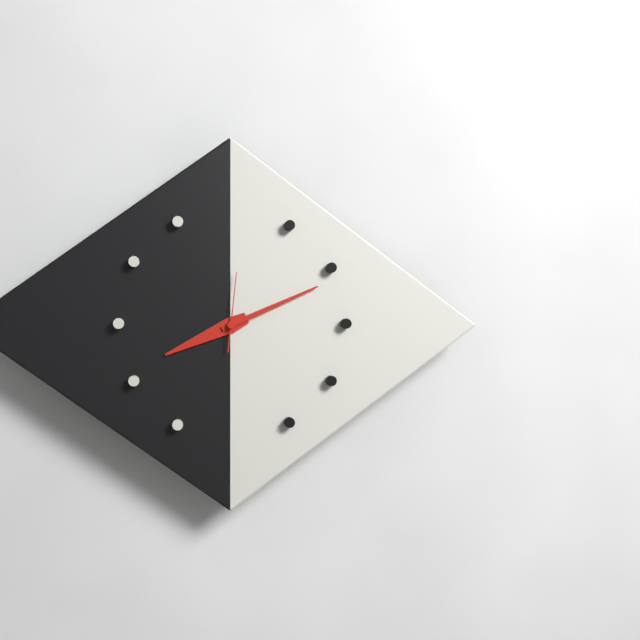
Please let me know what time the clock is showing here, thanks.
8:11:01
